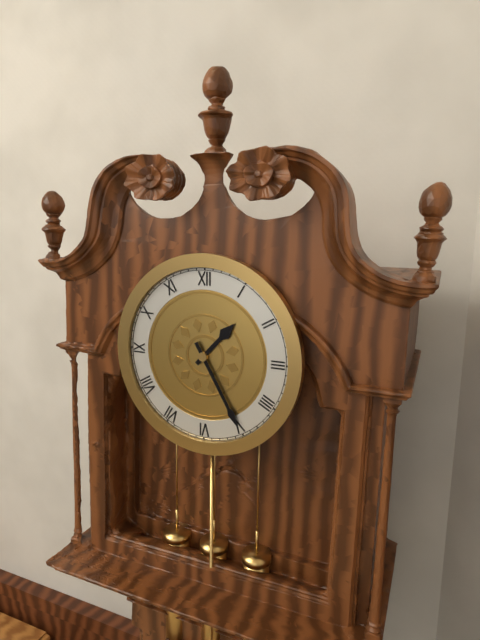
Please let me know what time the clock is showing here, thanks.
1:25
